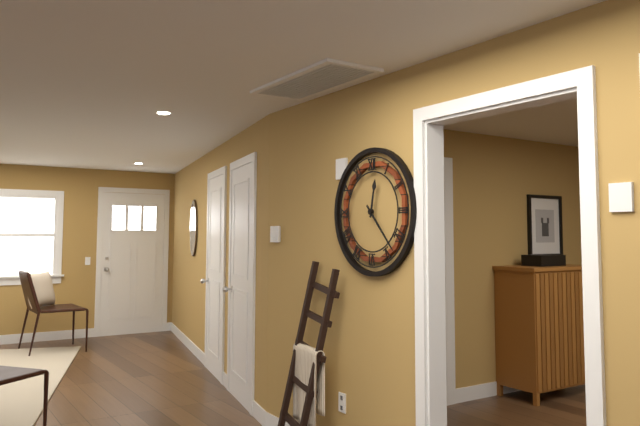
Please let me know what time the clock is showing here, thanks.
12:23
